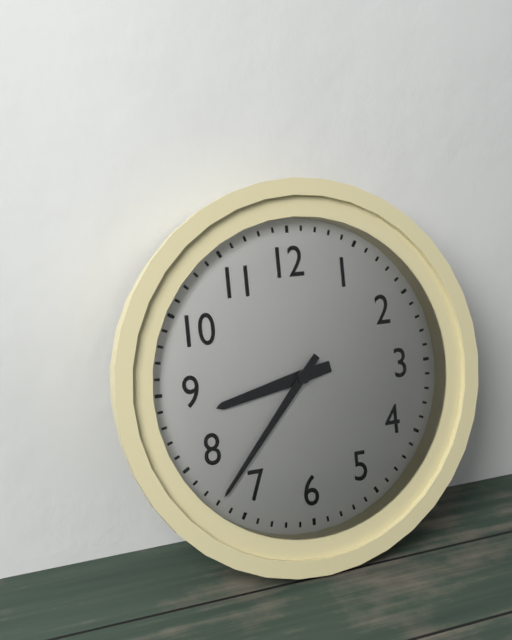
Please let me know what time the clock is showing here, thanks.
8:37
